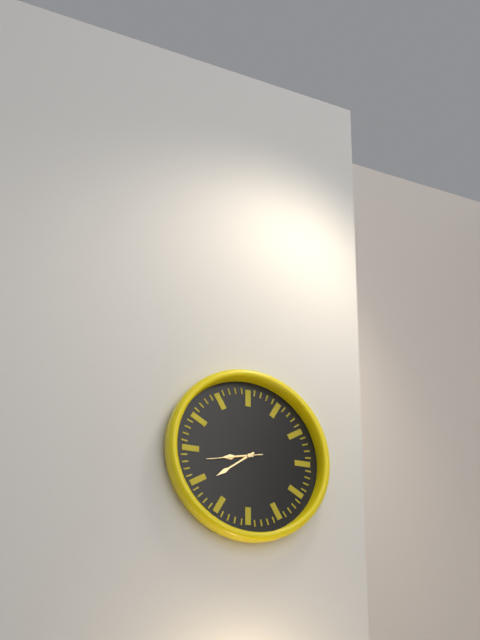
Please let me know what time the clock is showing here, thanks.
8:39
